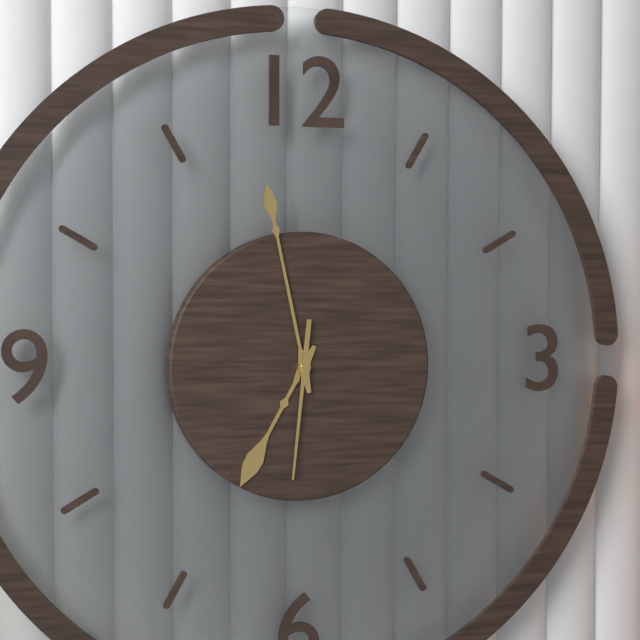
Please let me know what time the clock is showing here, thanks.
6:58:31
